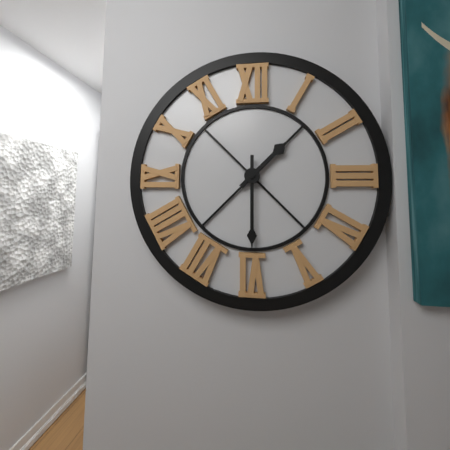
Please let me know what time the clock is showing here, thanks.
1:30
